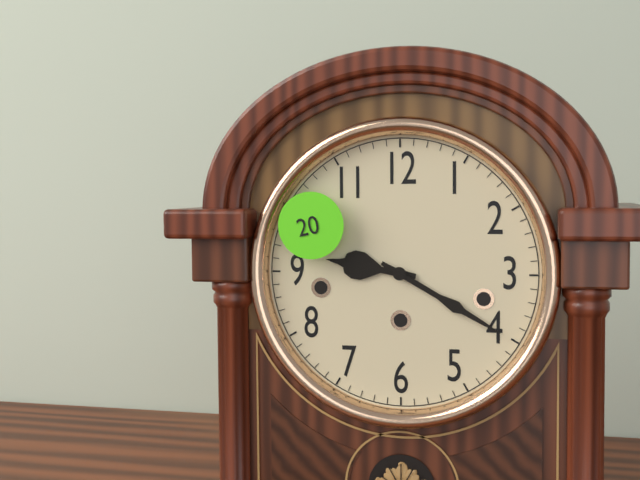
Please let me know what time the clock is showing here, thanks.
9:20
